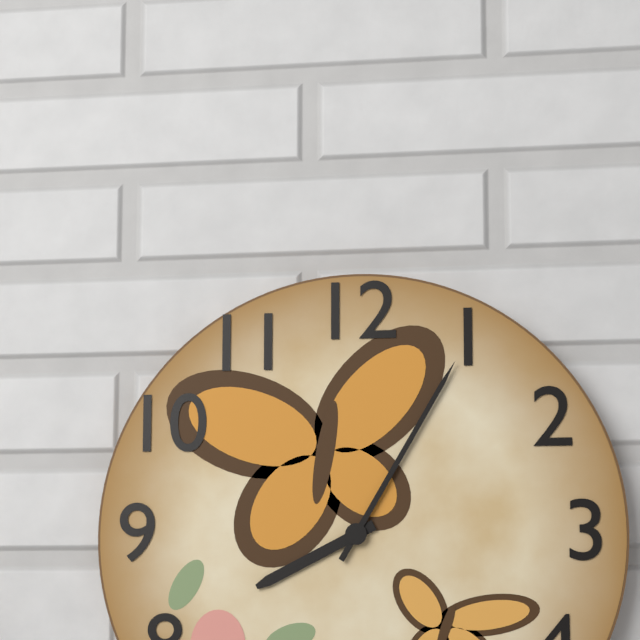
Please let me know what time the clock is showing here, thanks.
8:05
